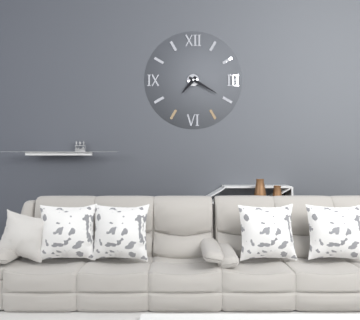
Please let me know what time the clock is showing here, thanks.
7:20
